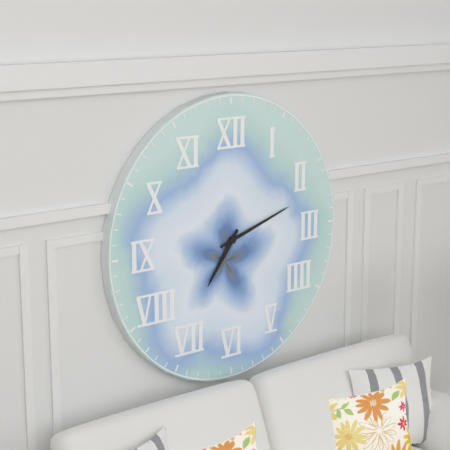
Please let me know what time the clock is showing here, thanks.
7:12
